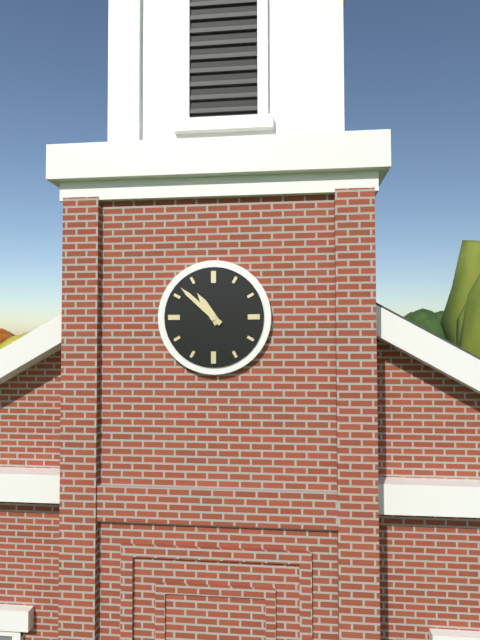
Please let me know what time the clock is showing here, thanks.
10:52
